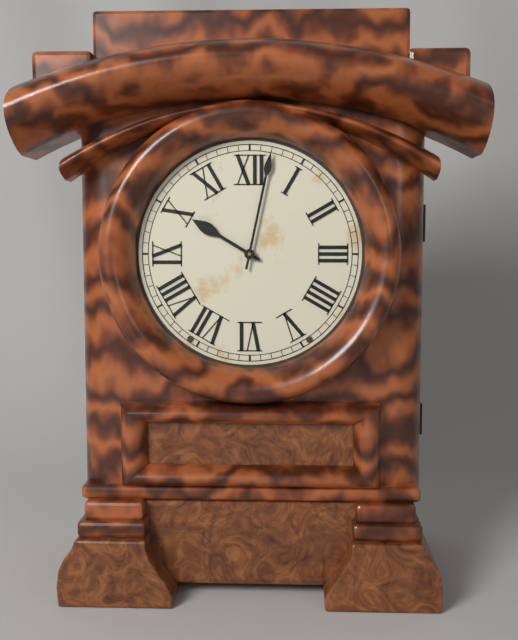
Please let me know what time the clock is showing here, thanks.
10:02
